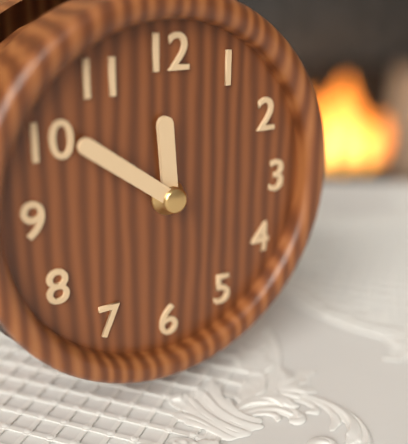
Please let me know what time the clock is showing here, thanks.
11:51
